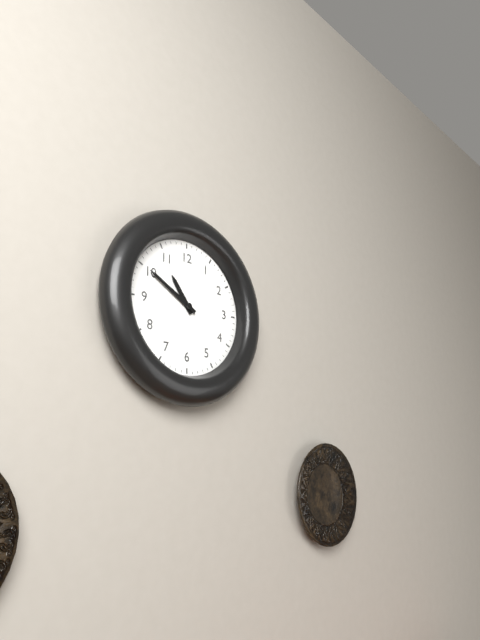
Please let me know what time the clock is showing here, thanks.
10:50
